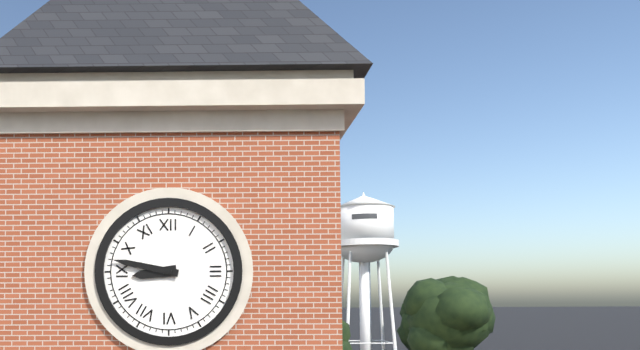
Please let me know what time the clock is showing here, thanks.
8:47
